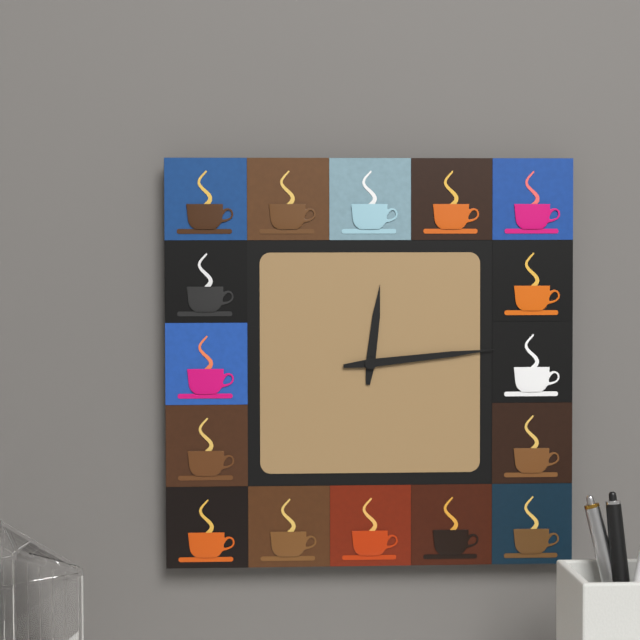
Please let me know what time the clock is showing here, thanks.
12:14
